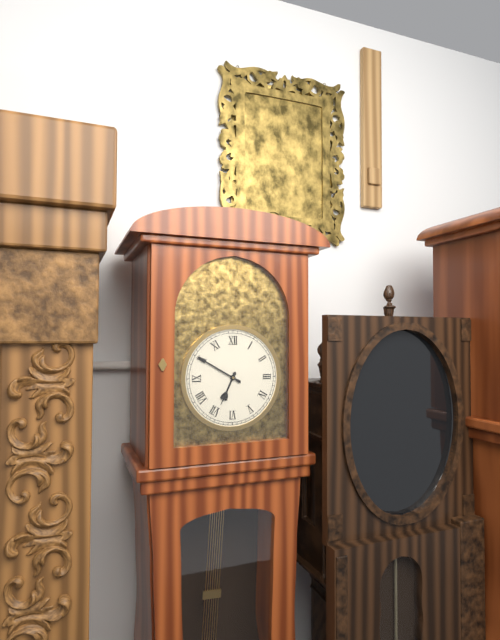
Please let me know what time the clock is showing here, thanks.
6:50
